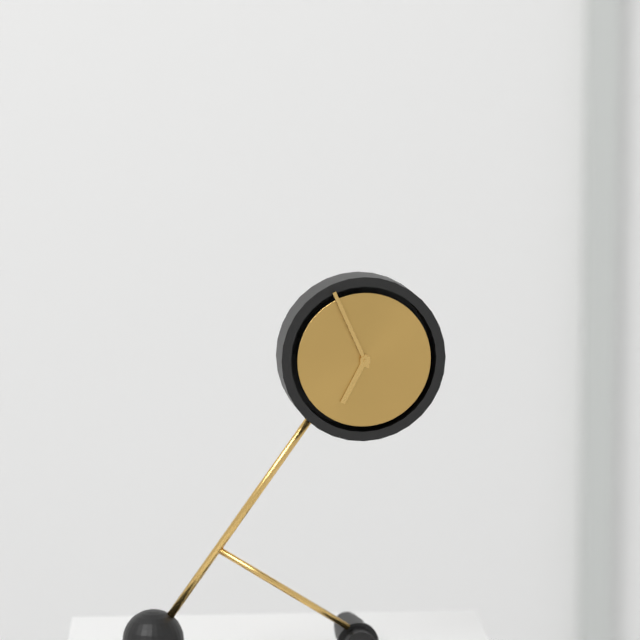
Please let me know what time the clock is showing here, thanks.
6:56
